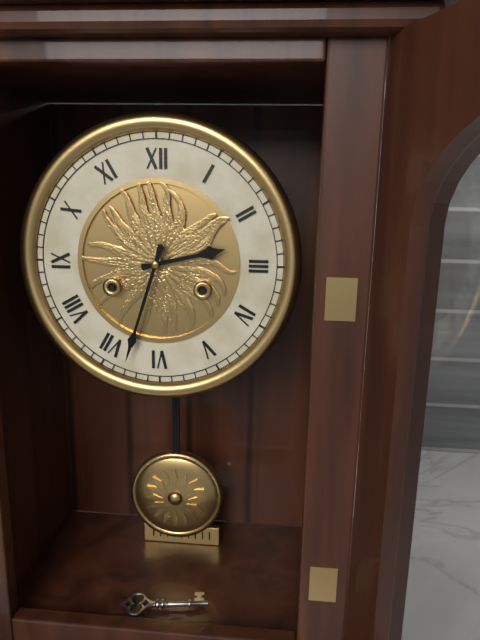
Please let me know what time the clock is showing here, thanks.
2:33
